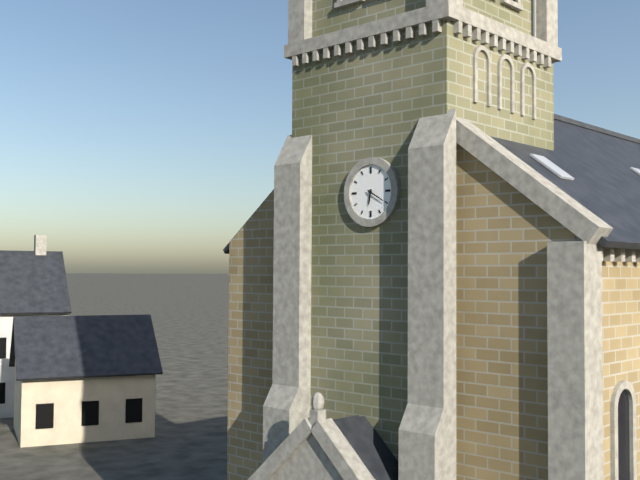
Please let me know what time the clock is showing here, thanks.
6:20
